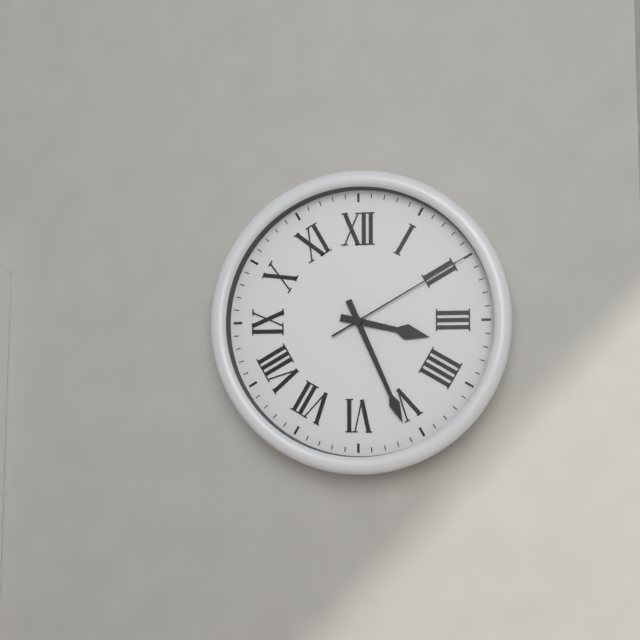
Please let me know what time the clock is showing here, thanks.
3:26:10
